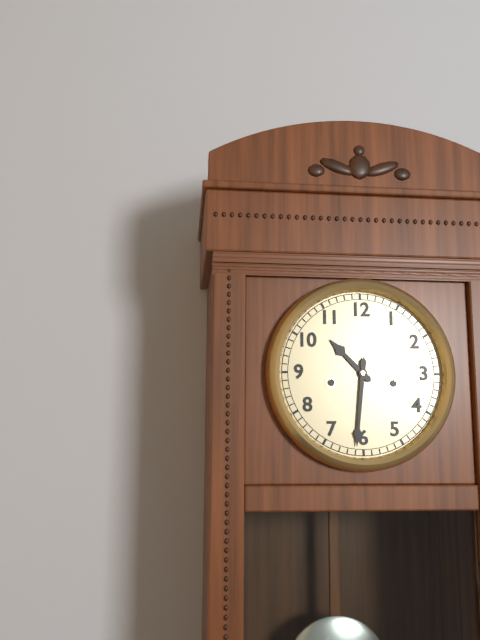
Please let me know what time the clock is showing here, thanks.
10:31
